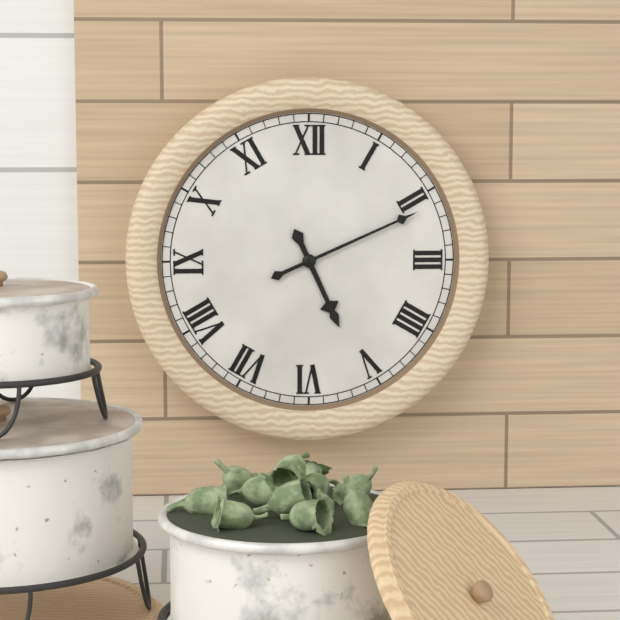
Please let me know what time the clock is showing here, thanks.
5:11
